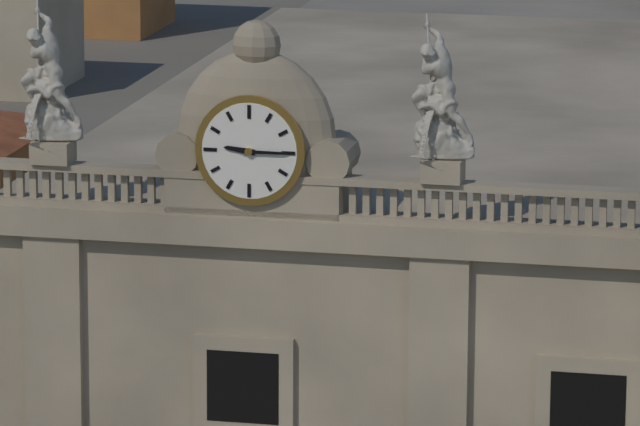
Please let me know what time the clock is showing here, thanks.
9:15
